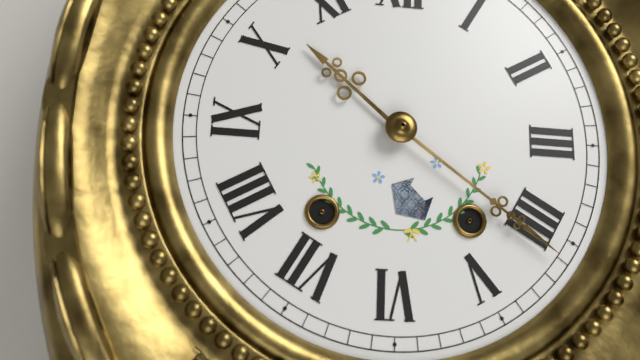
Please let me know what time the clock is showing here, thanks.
10:21
